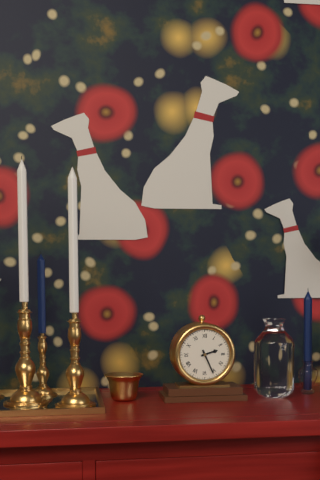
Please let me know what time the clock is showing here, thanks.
2:26
